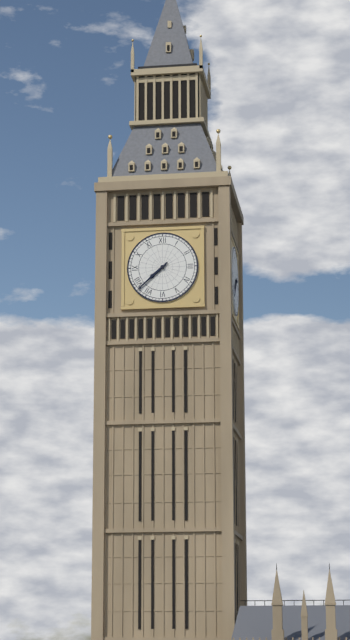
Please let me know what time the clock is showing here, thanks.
7:38
